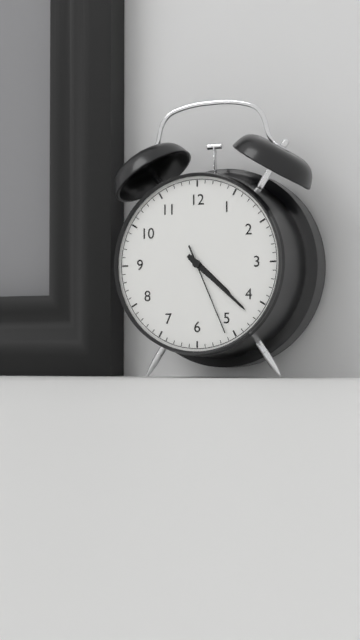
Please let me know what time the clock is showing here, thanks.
4:22:26
